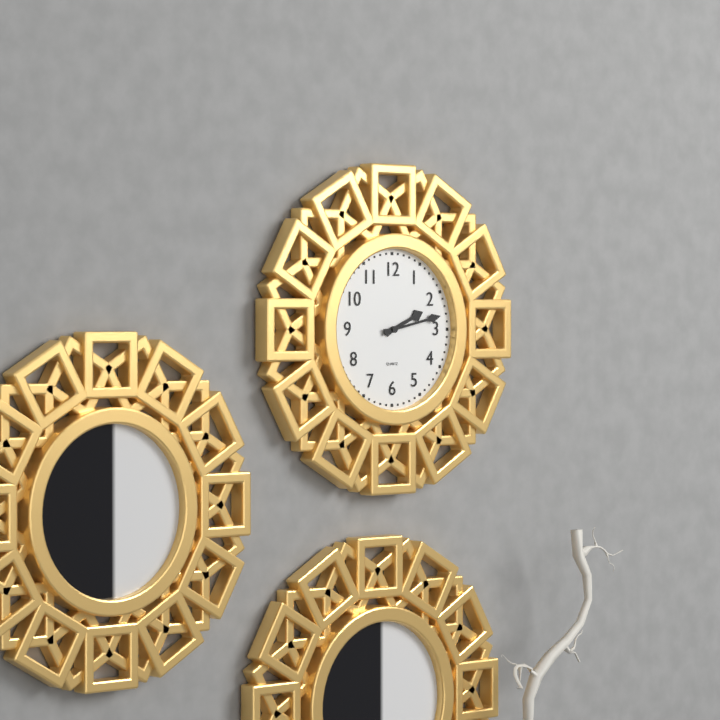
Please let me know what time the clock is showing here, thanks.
2:13
